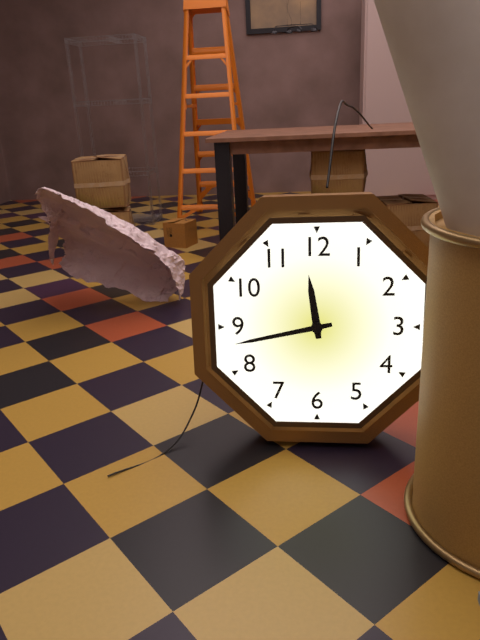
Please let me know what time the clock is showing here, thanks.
11:43
